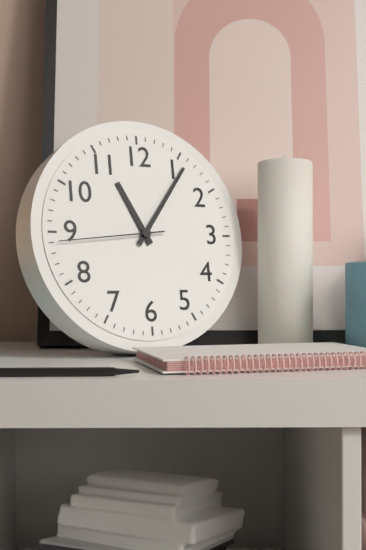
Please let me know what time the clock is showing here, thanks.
11:06:44
